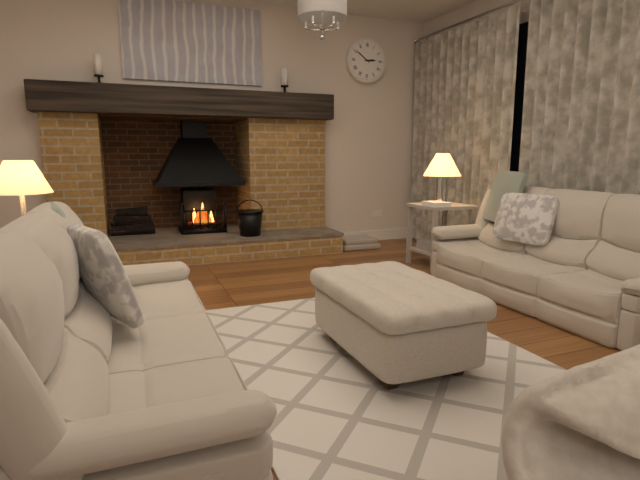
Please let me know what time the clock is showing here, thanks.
2:51
